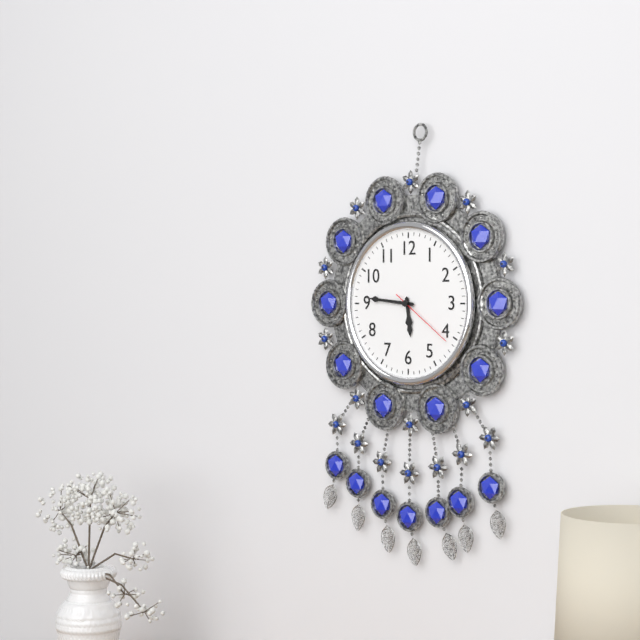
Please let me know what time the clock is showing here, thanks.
5:46:21
